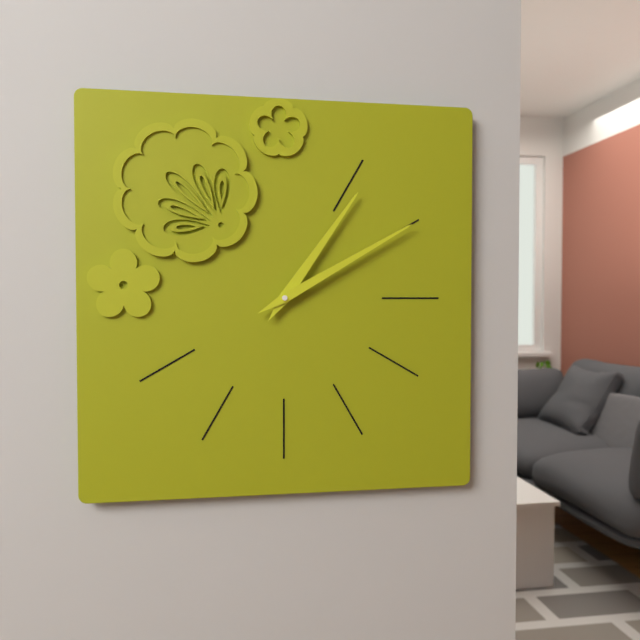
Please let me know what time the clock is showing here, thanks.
1:10
